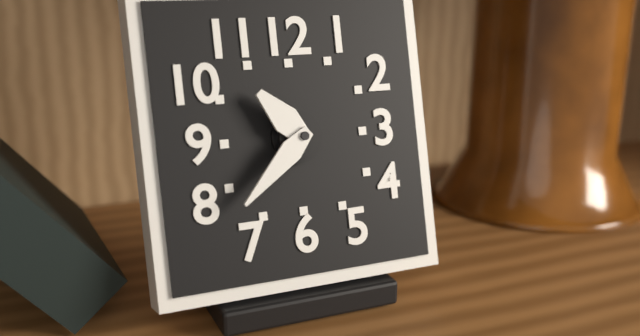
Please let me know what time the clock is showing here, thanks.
10:38
